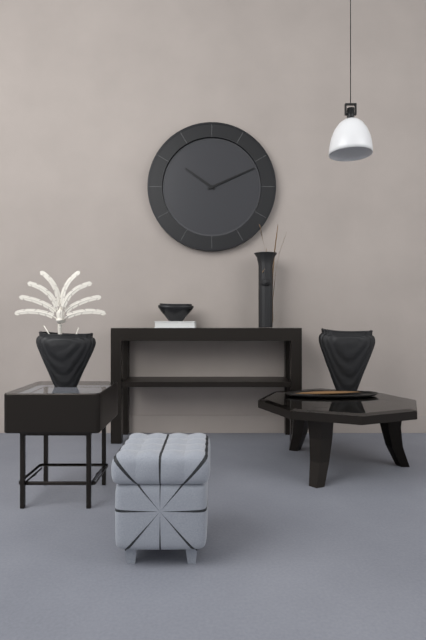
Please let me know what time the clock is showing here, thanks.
10:11
